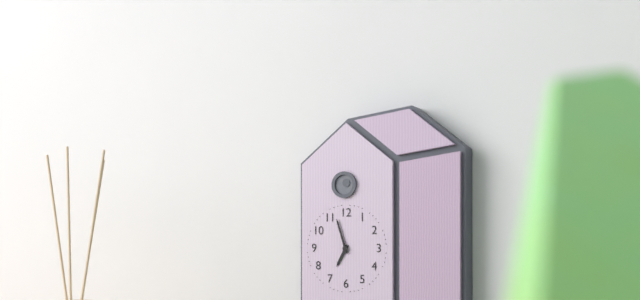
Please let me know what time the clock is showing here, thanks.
6:57
